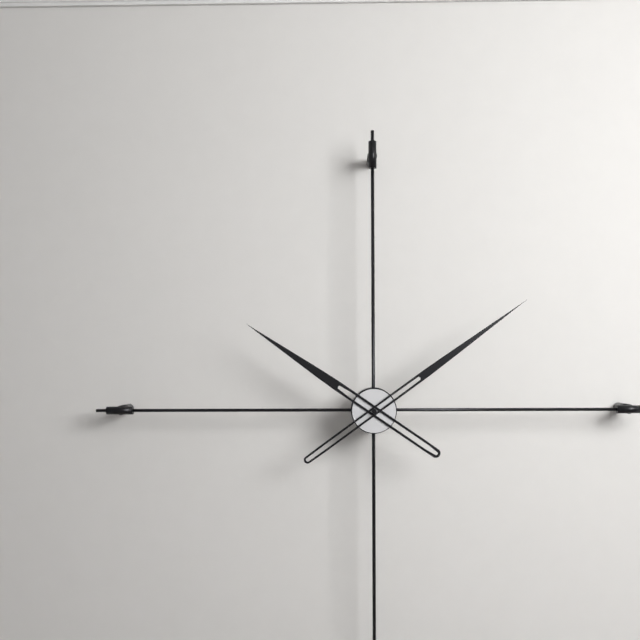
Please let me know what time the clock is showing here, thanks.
10:09
